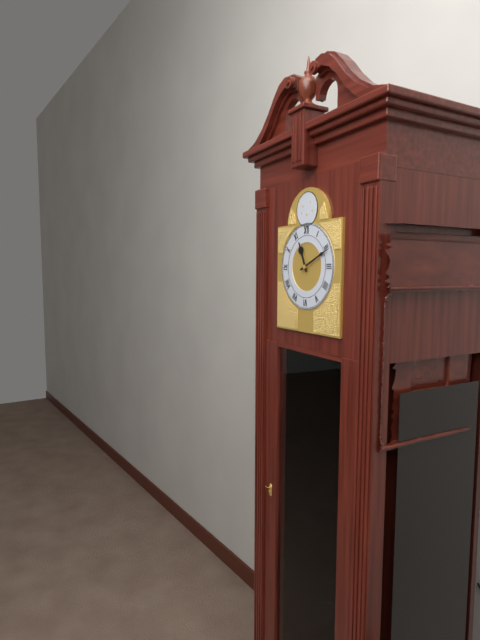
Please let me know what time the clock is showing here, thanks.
11:11
